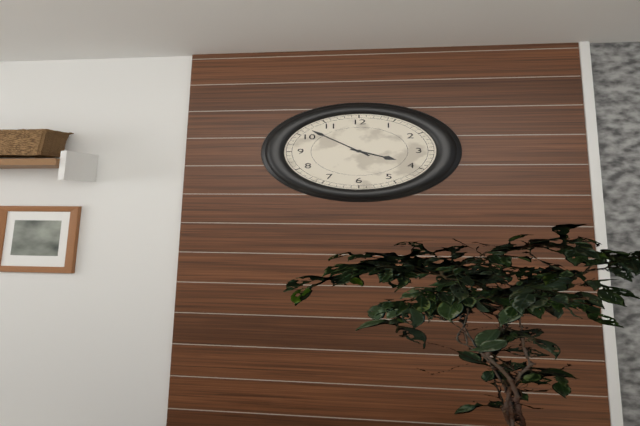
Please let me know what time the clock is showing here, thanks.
3:52
